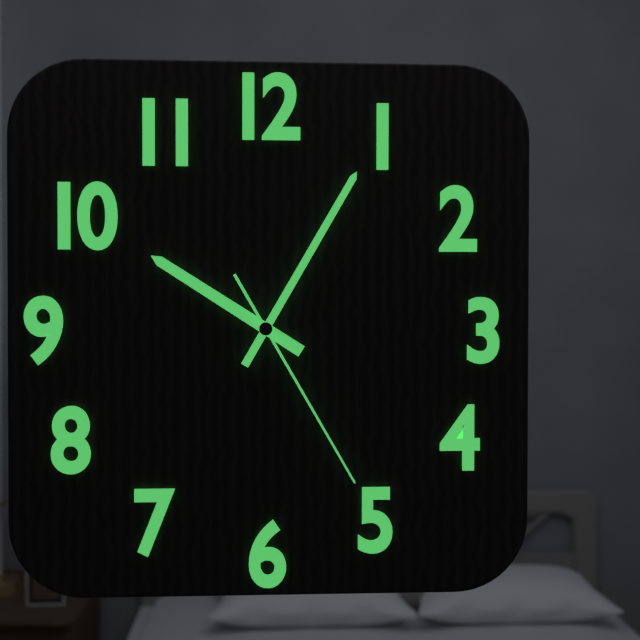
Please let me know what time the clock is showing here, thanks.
10:05:25
